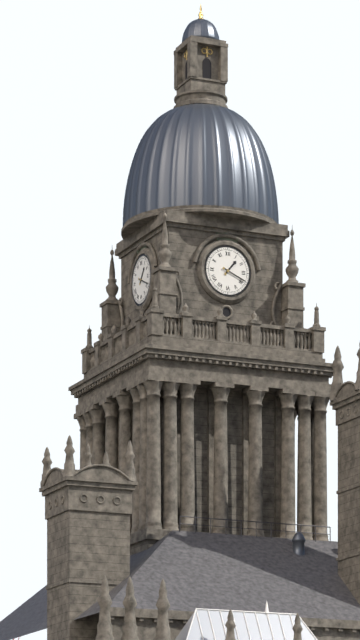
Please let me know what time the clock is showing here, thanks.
1:19
